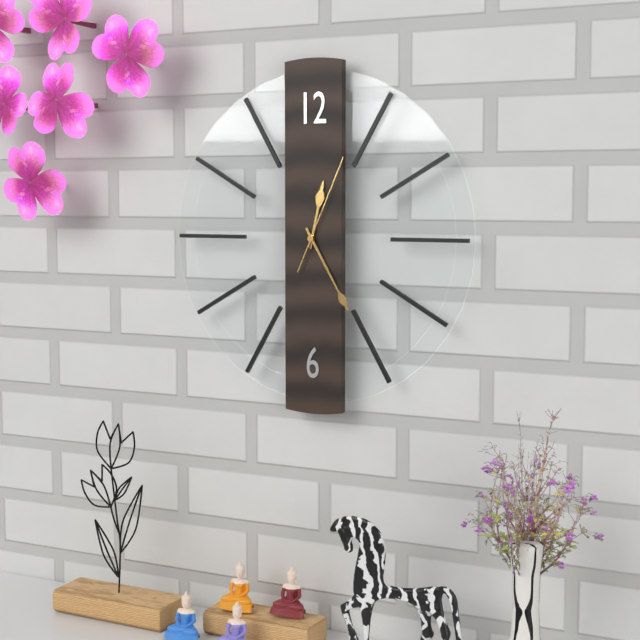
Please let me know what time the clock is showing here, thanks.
12:25:04
